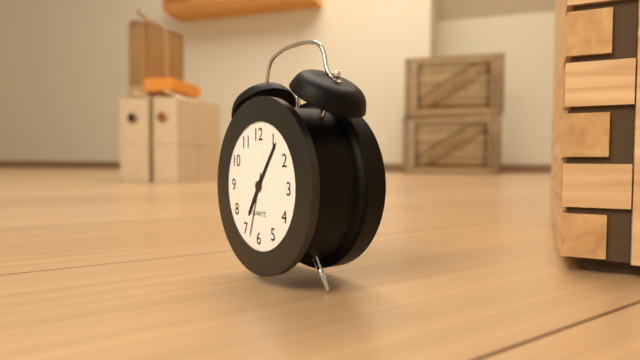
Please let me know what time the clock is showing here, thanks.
7:06:33
